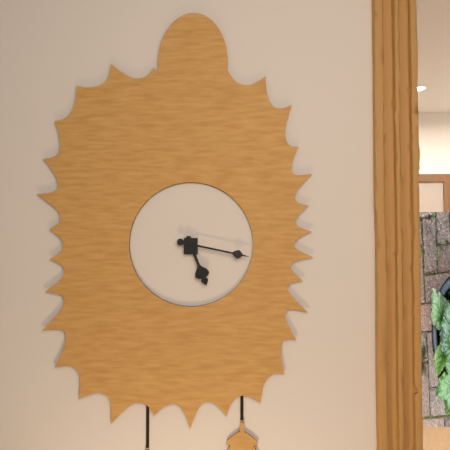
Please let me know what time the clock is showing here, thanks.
5:17
